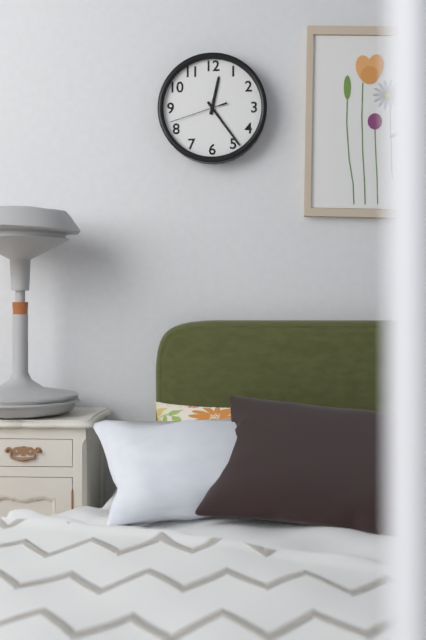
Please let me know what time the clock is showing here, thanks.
12:24:42
